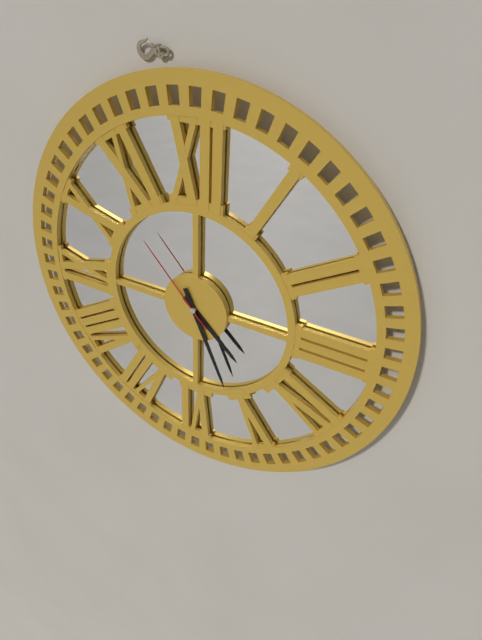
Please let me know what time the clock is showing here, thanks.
4:26:53
